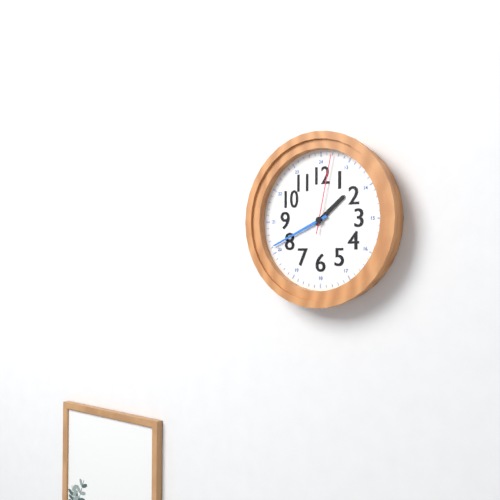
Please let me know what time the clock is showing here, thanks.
1:41:02
